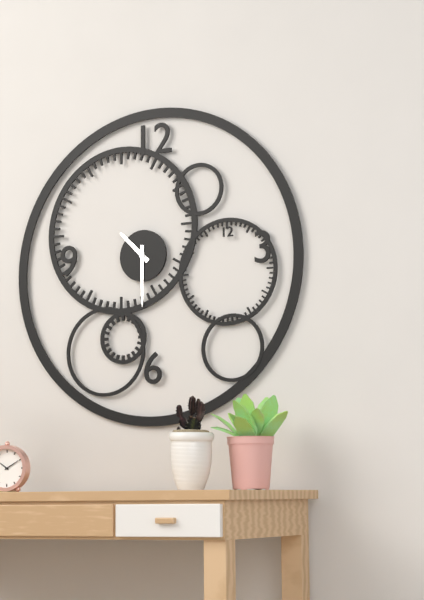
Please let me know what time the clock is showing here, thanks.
10:30
